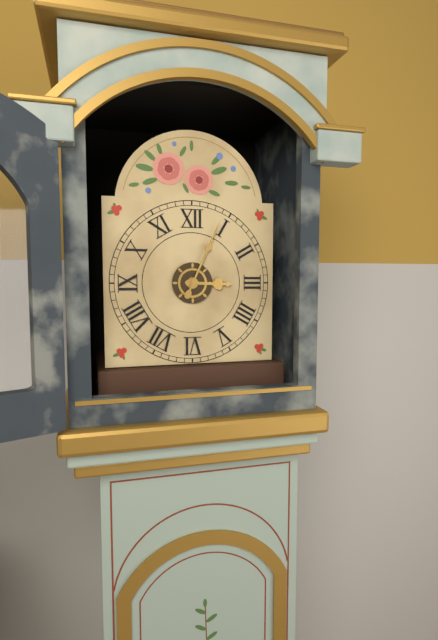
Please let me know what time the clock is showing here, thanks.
3:04
